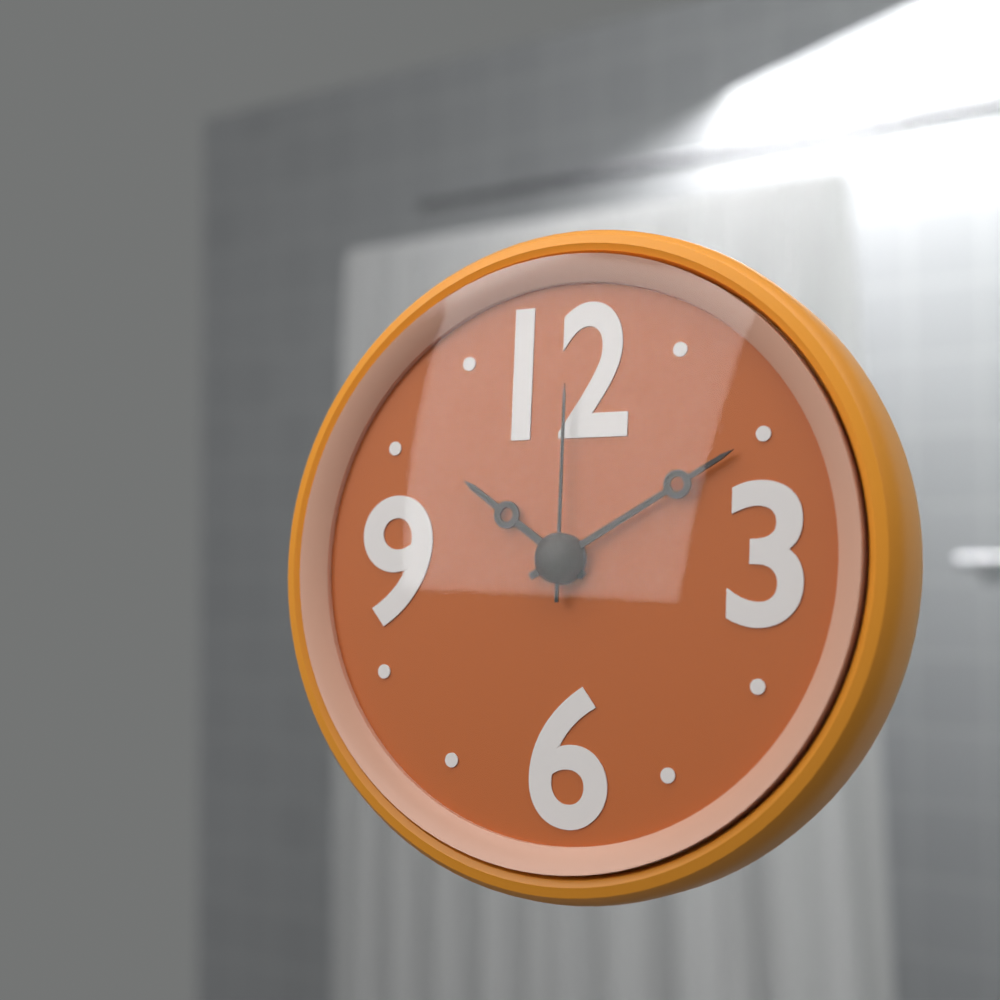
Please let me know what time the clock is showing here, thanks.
10:10:00
